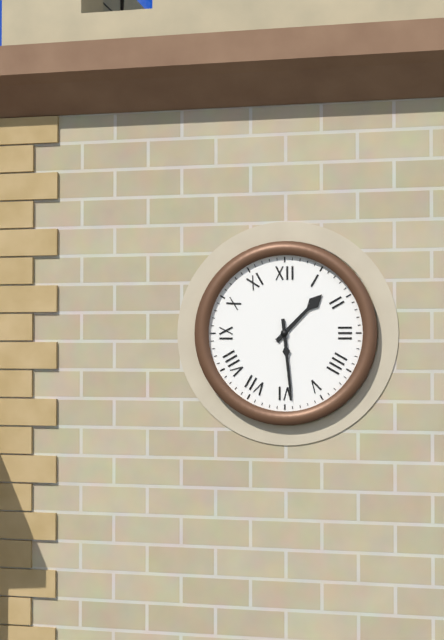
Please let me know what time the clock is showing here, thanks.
1:29
